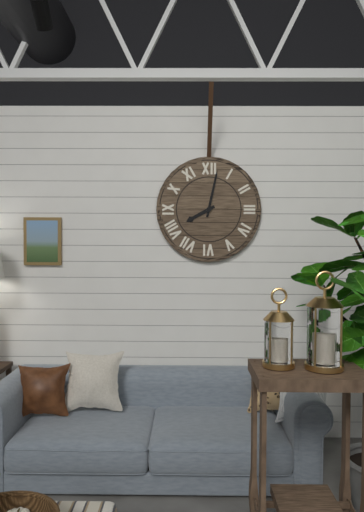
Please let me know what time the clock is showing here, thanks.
8:02
